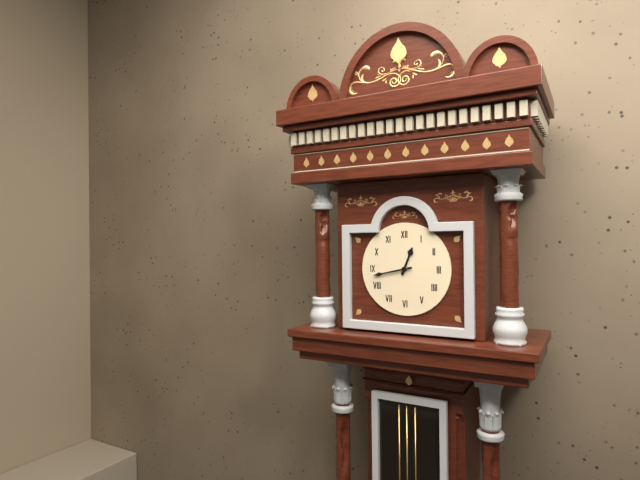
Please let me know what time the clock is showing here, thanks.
12:43
